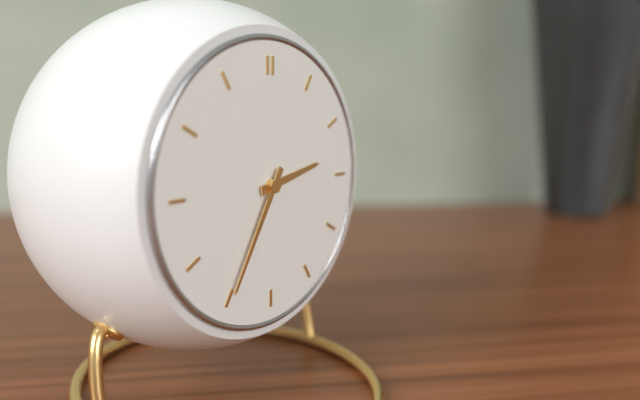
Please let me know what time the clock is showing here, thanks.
2:35
